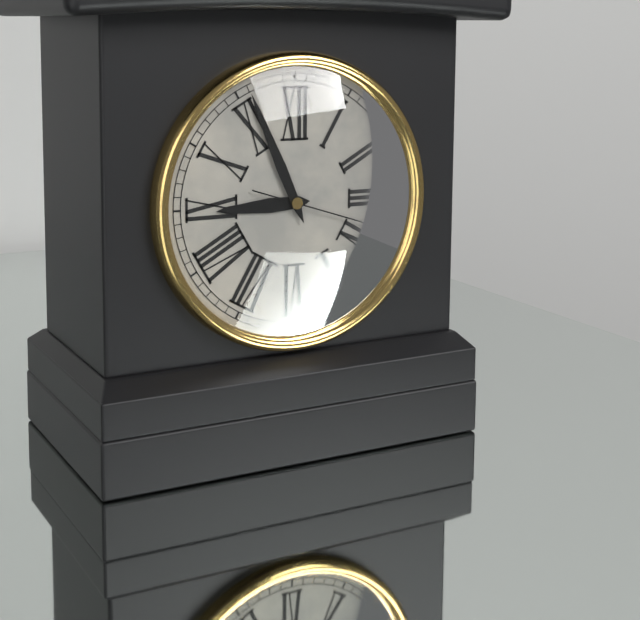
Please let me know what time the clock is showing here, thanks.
8:56:18
